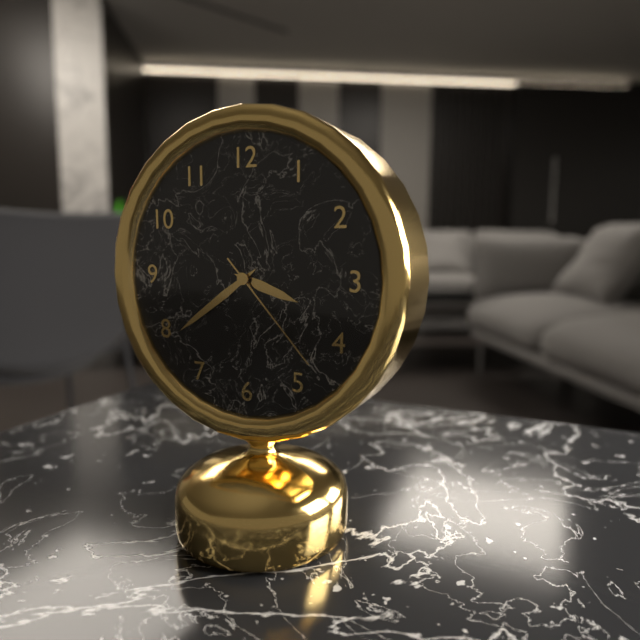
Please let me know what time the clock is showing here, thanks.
3:39:23
